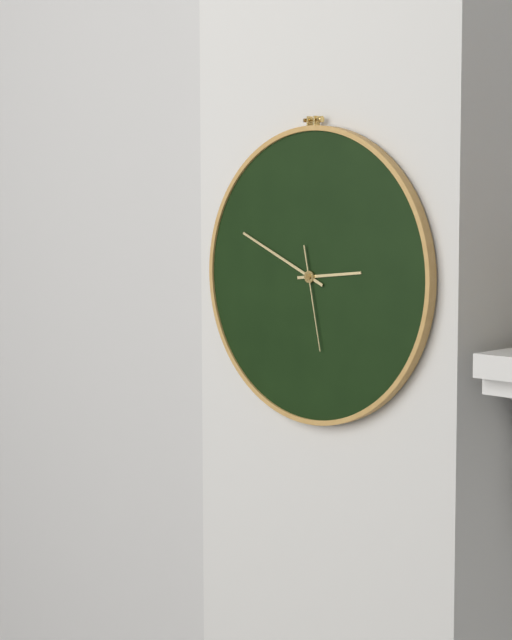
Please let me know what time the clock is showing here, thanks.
2:49:28
